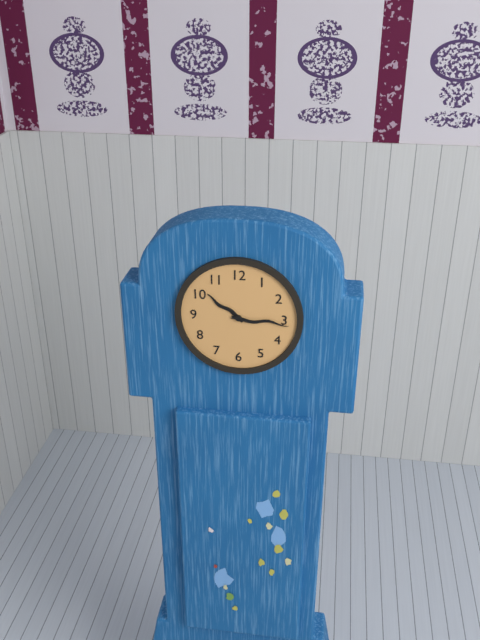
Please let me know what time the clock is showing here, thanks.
10:16
